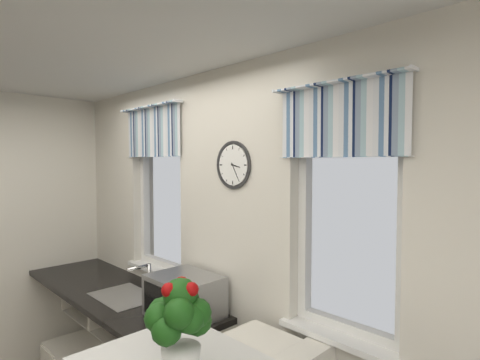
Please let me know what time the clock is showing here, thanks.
3:25
